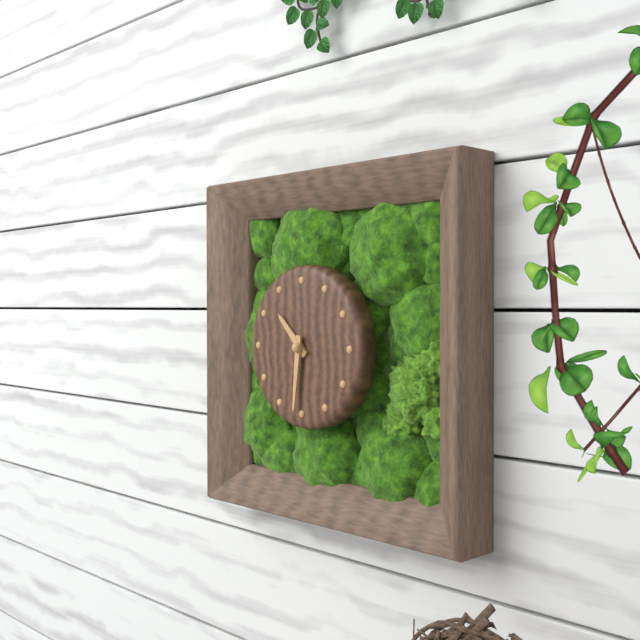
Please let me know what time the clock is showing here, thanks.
10:31
